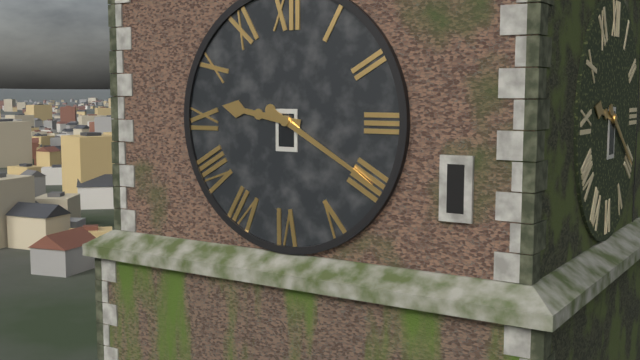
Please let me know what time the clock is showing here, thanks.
9:20
